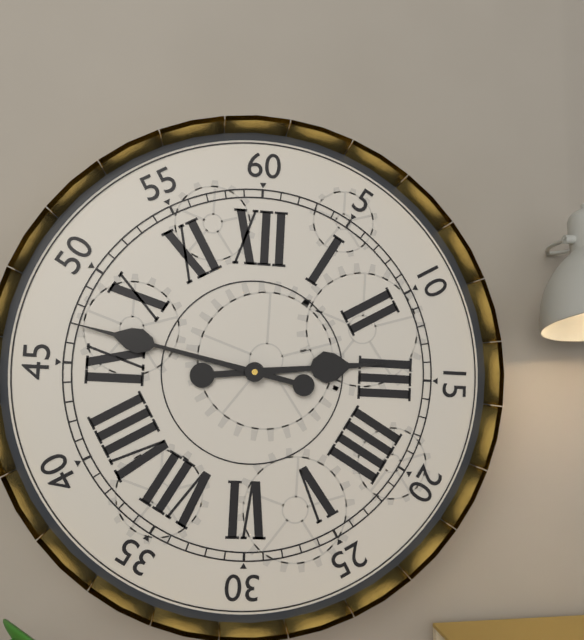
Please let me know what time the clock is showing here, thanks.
2:47
